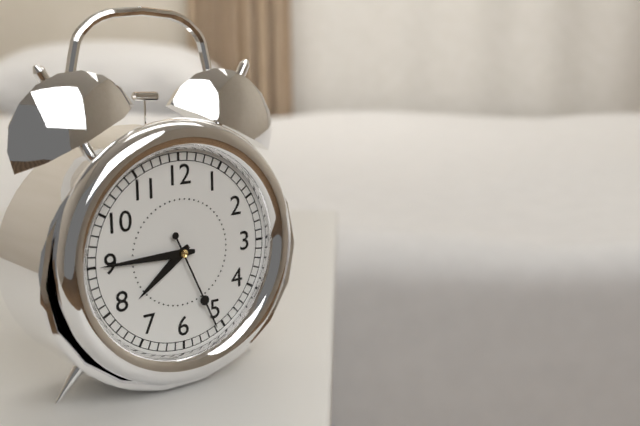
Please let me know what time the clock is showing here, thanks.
7:45:26
